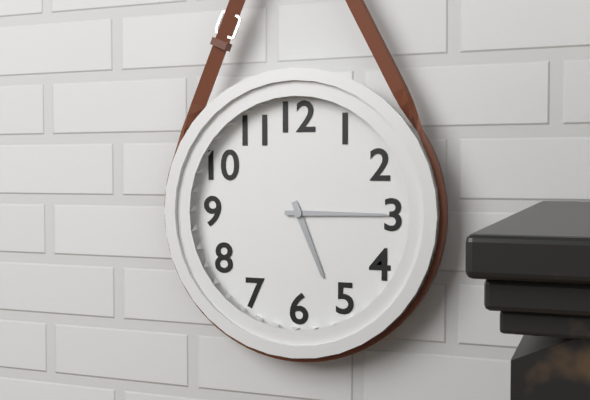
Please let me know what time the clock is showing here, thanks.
5:15
